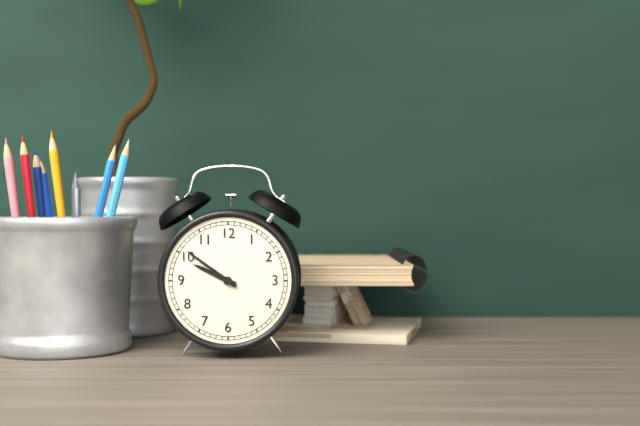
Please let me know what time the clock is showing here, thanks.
9:51
